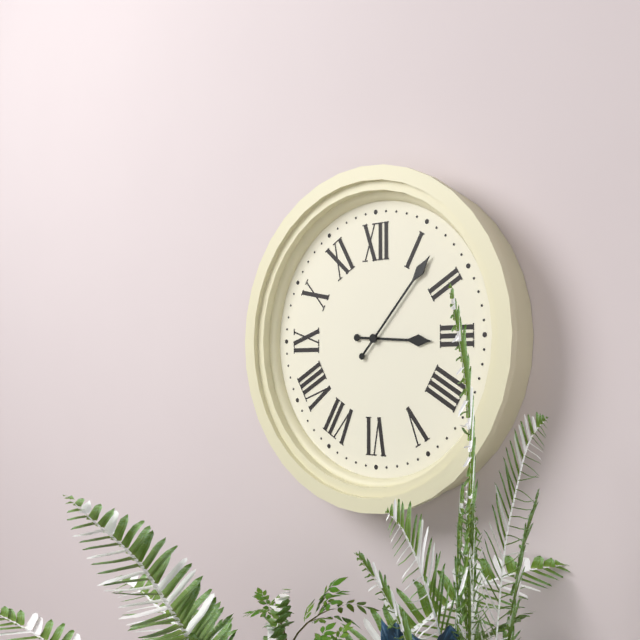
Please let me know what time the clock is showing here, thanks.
3:07
